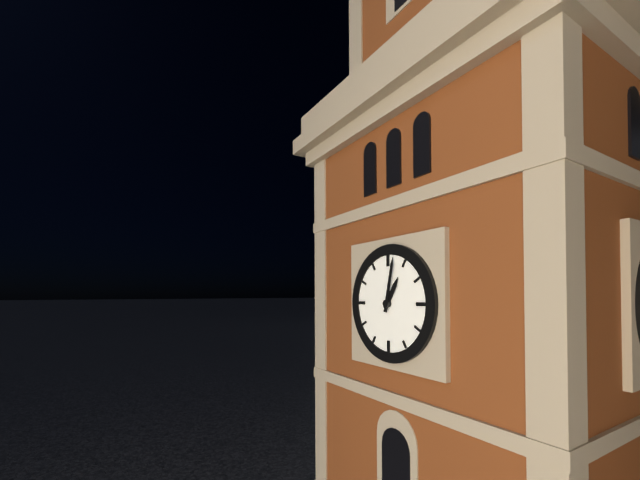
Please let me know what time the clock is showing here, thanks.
1:02
